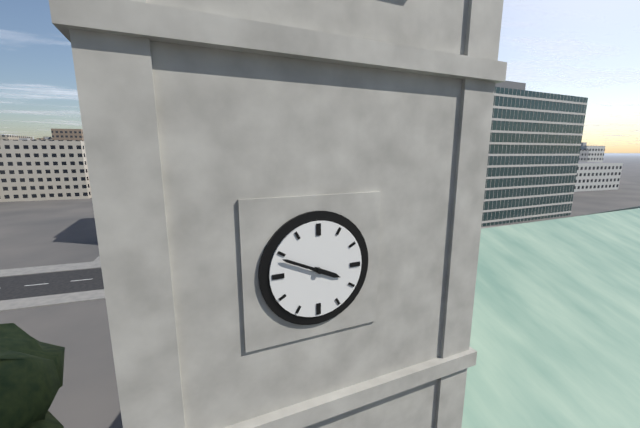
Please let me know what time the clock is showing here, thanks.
3:49
